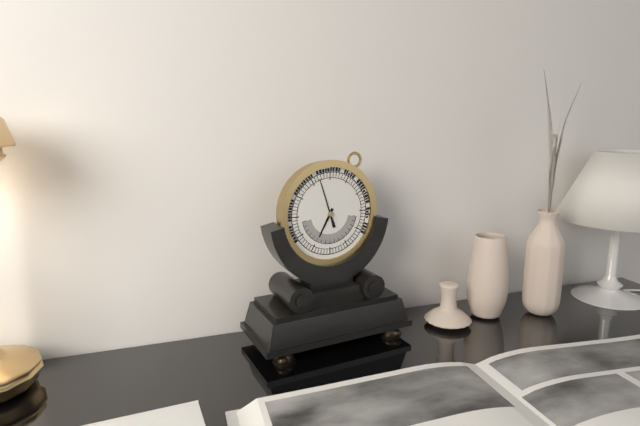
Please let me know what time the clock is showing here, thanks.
6:57
